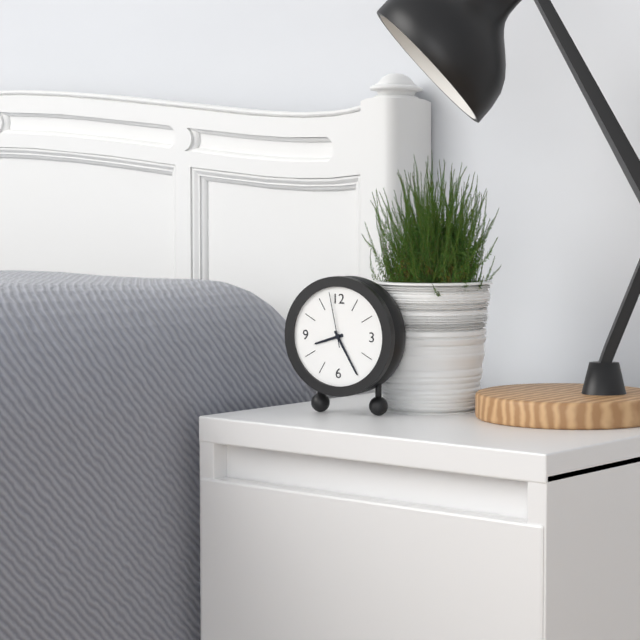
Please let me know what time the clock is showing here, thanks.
8:25:58
